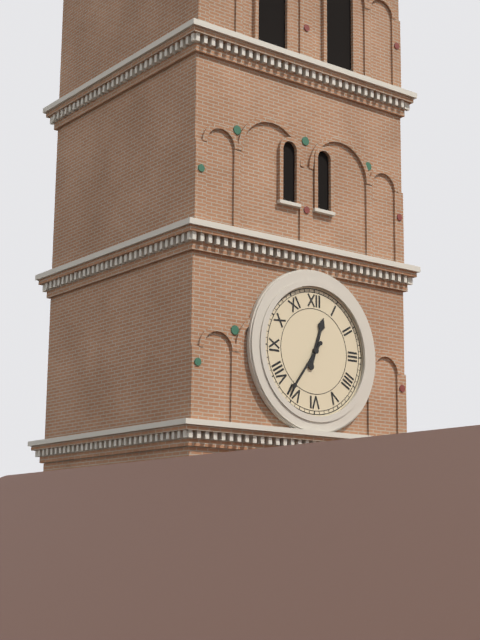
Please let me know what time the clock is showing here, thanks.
12:36
